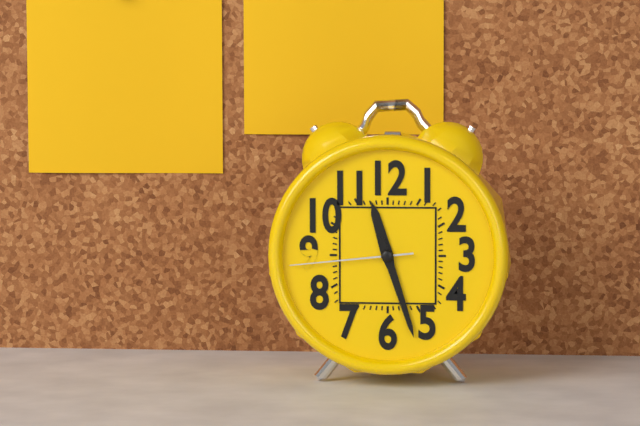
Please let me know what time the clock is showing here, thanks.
11:27:44
